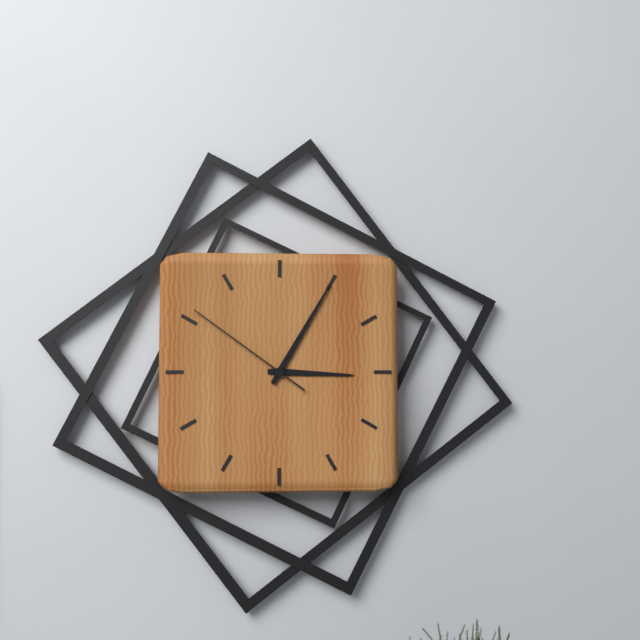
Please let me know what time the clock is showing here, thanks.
3:05:51
